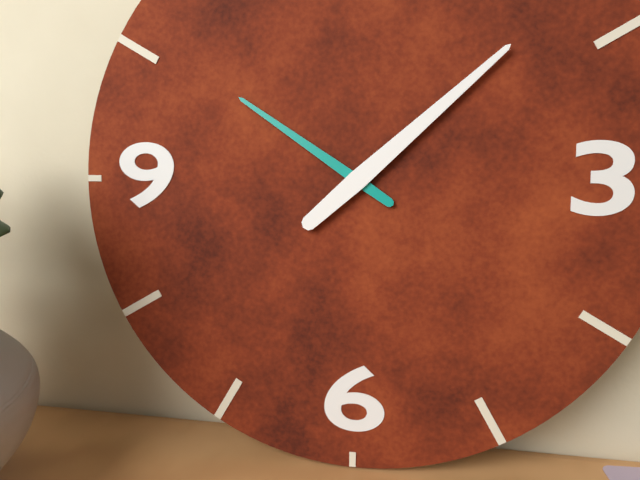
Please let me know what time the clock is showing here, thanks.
10:08
